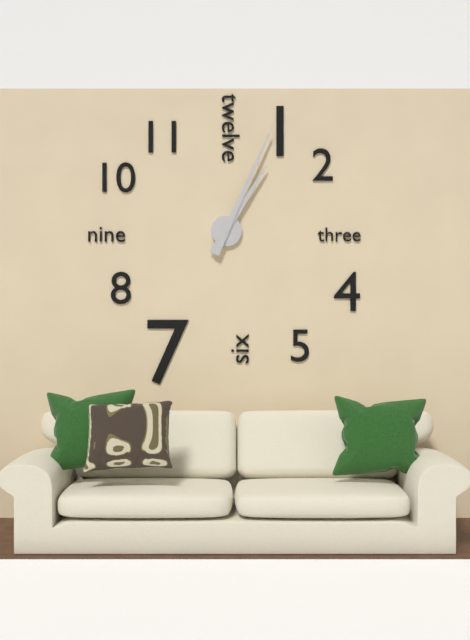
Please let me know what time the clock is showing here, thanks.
1:04
